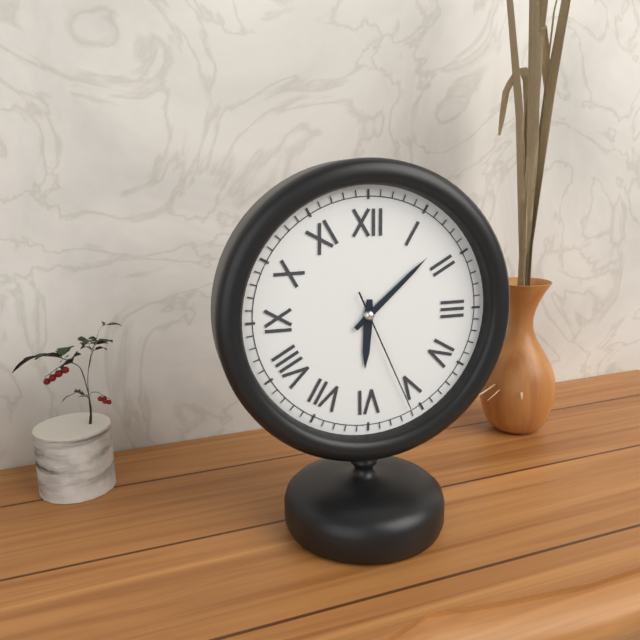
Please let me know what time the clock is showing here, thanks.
6:08:26
